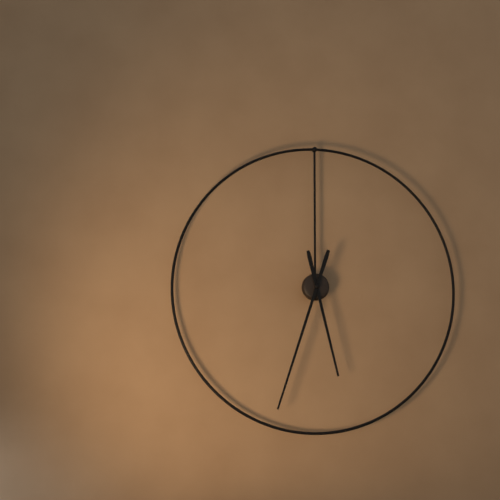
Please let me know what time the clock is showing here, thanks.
5:33
